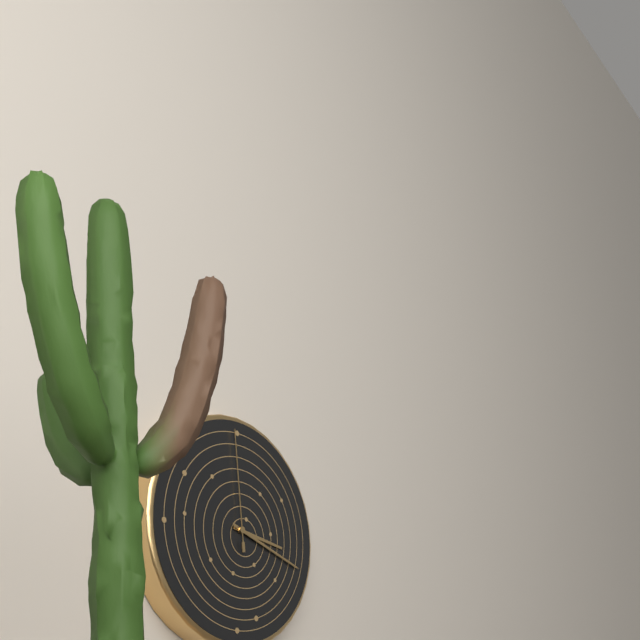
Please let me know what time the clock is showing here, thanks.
3:18:59
